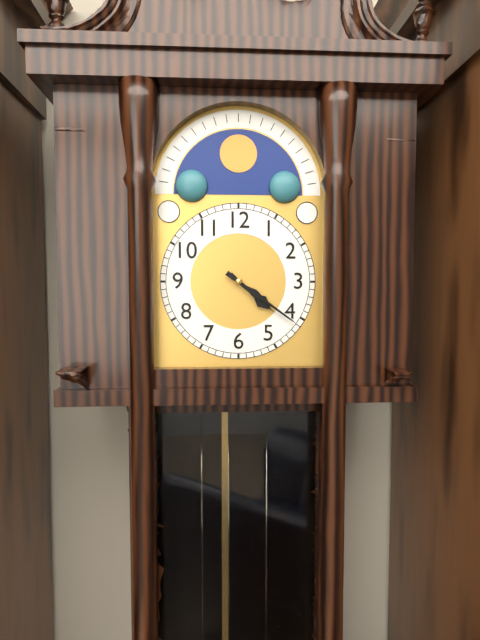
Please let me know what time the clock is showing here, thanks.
4:21
